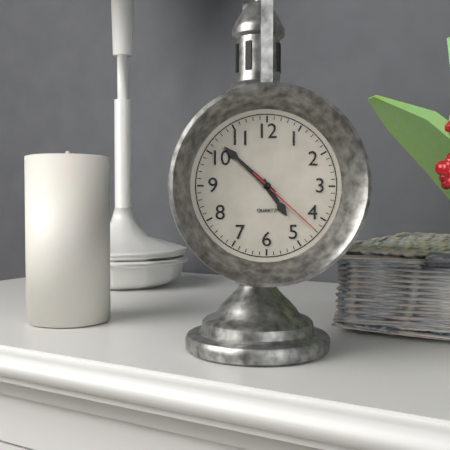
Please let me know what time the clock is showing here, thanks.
4:52:22
